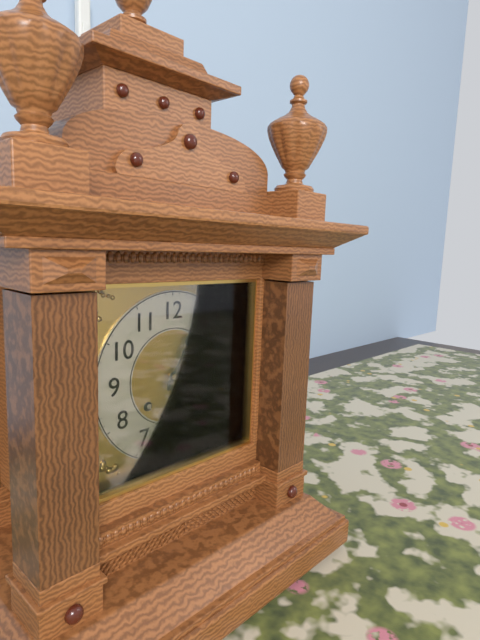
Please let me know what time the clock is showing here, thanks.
1:05
